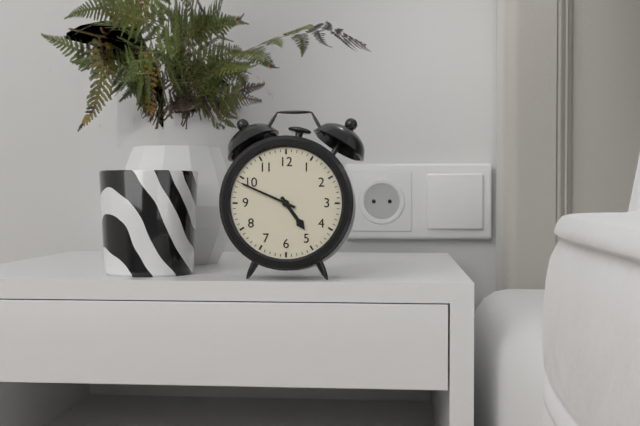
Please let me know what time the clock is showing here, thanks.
4:49
